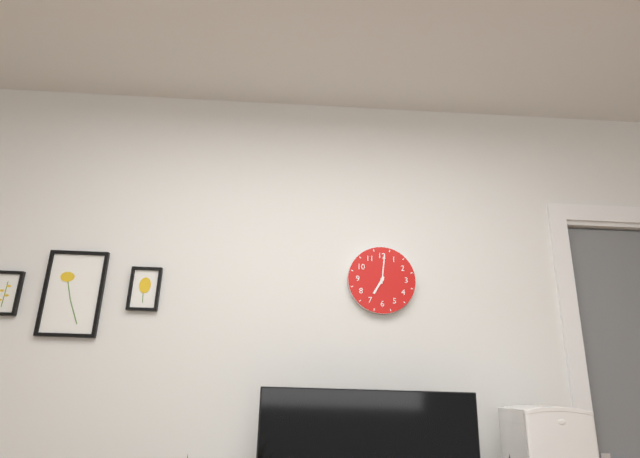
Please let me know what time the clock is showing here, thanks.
7:01
